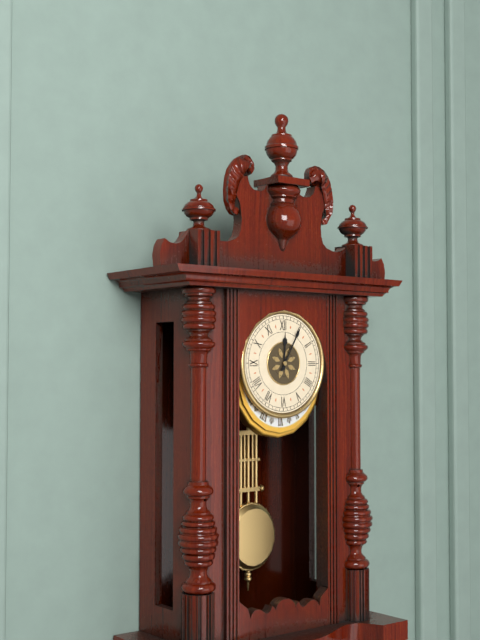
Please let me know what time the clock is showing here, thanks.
12:05
